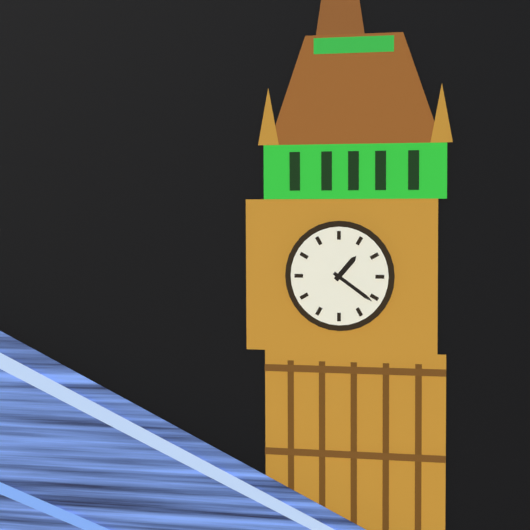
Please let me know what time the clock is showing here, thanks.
1:21
